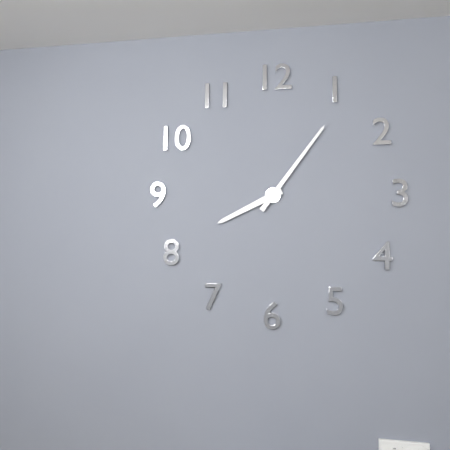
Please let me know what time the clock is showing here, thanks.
8:06
